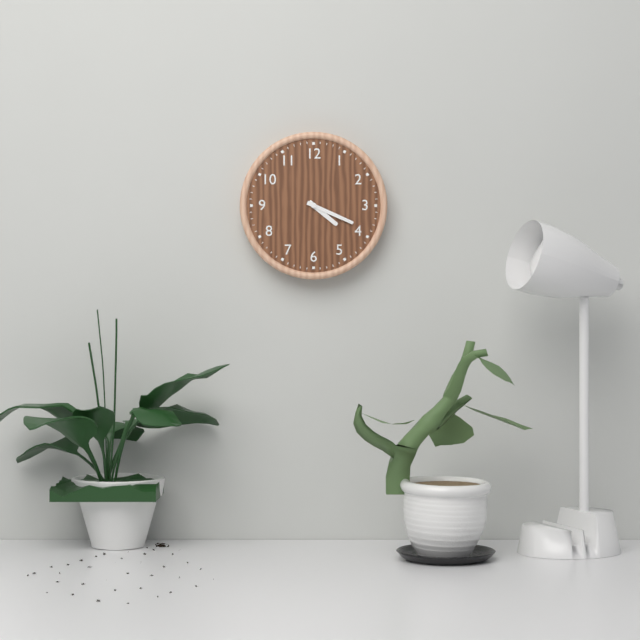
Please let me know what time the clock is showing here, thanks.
4:19
